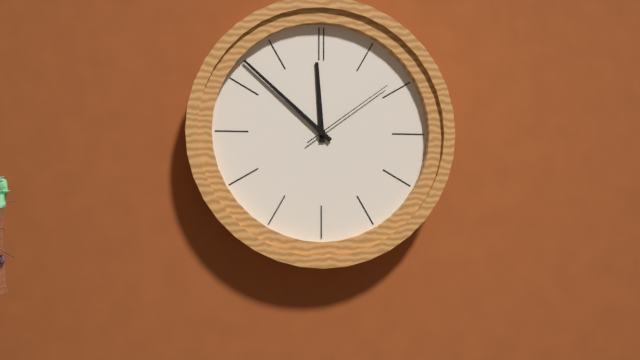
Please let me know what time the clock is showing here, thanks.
11:52:09
